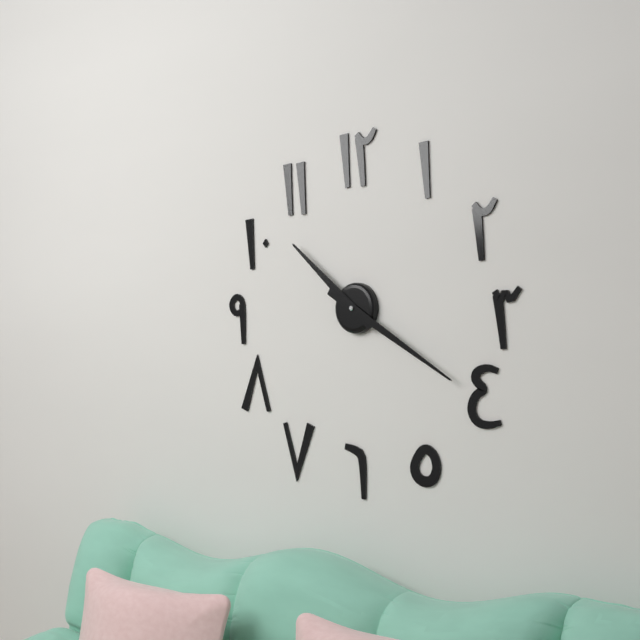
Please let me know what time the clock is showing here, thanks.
10:20
